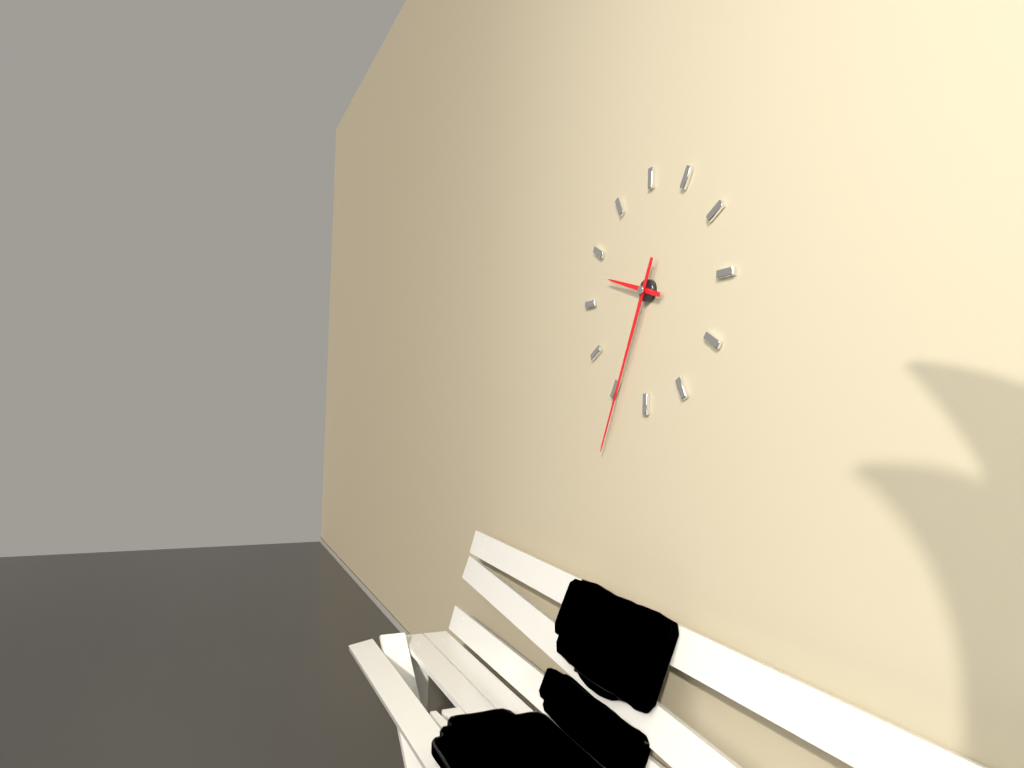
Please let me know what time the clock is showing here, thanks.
9:34
